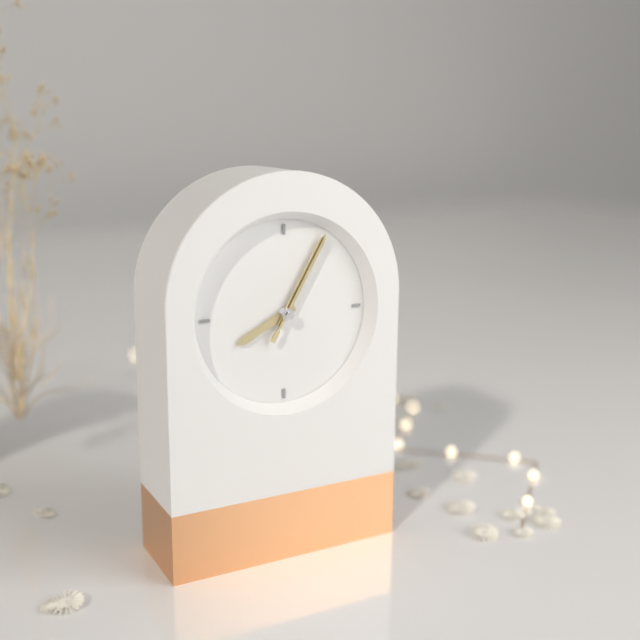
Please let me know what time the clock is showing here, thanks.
8:05:05
